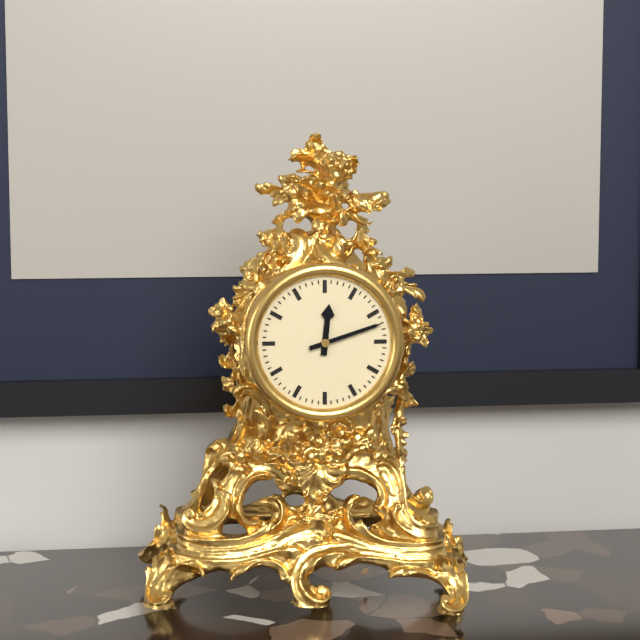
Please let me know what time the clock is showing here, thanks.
12:12
